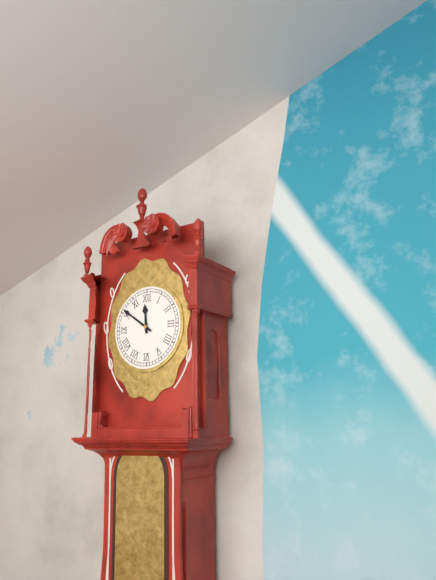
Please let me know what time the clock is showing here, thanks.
11:51
